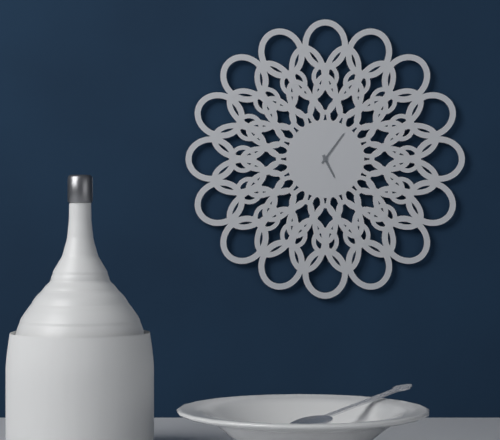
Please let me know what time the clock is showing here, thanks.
5:06
